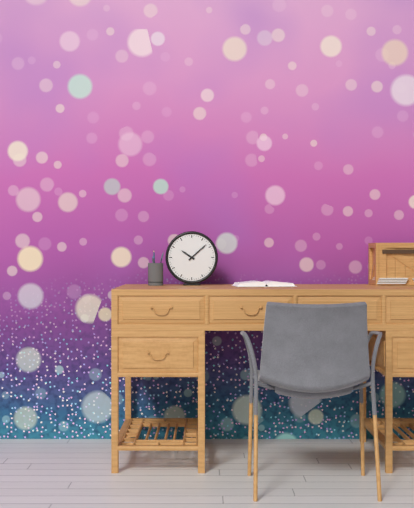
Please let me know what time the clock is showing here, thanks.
10:08
